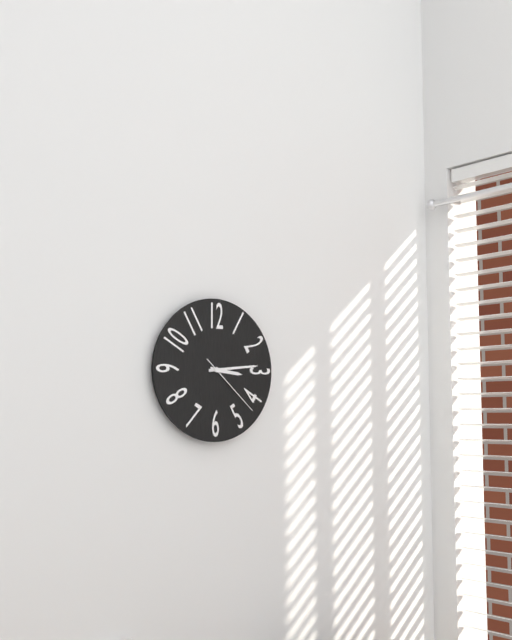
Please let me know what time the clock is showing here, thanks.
3:14:22
